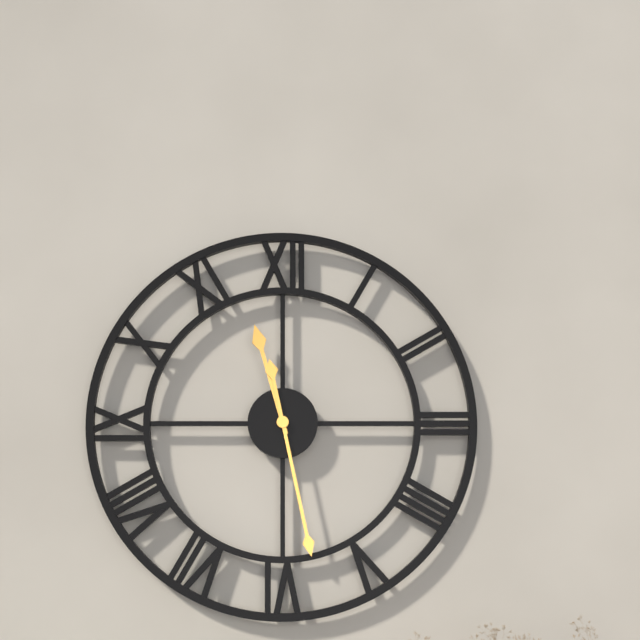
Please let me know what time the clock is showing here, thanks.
11:28
